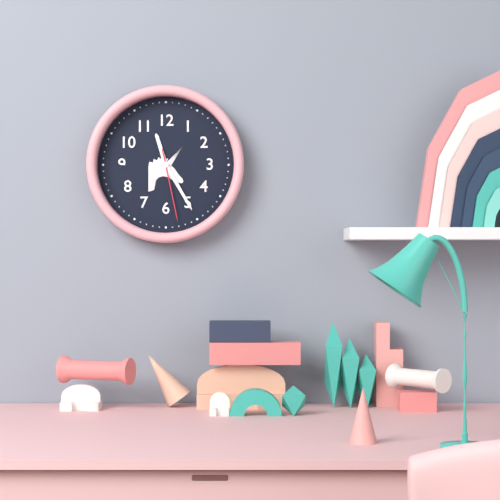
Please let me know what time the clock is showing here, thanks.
11:25:28
